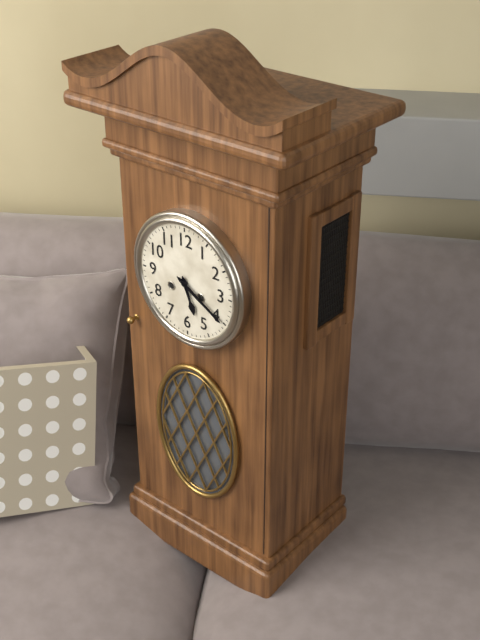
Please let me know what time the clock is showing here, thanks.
5:20
